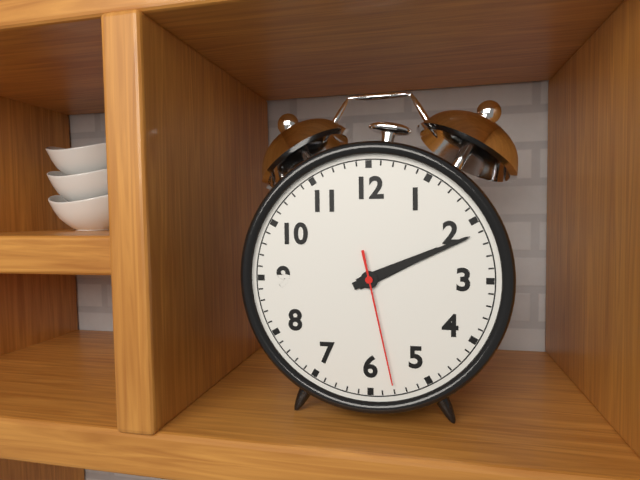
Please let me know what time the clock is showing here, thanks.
2:11:28
